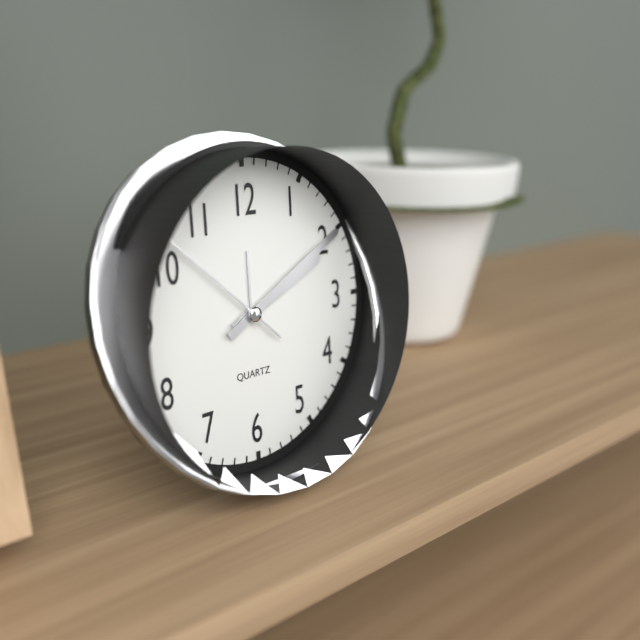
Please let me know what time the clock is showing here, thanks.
2:10:52
